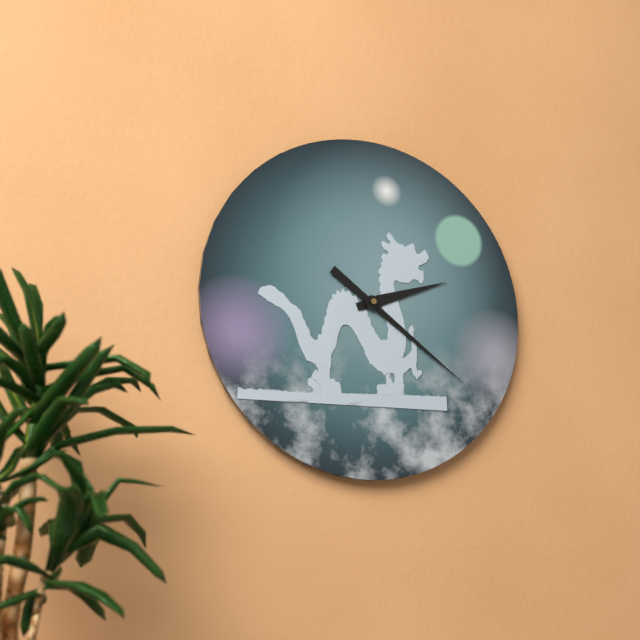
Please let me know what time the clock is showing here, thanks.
2:21
